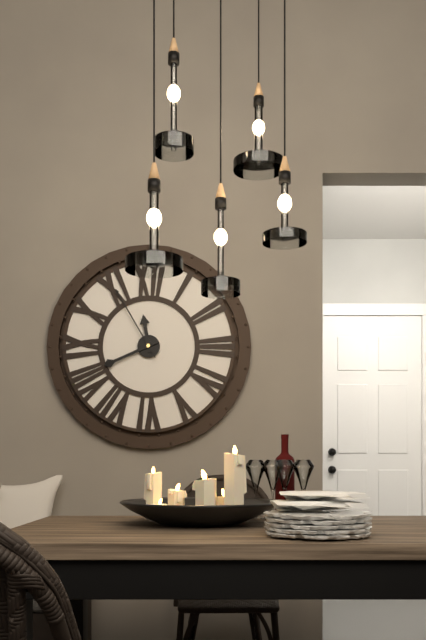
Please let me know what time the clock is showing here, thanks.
11:41:55
